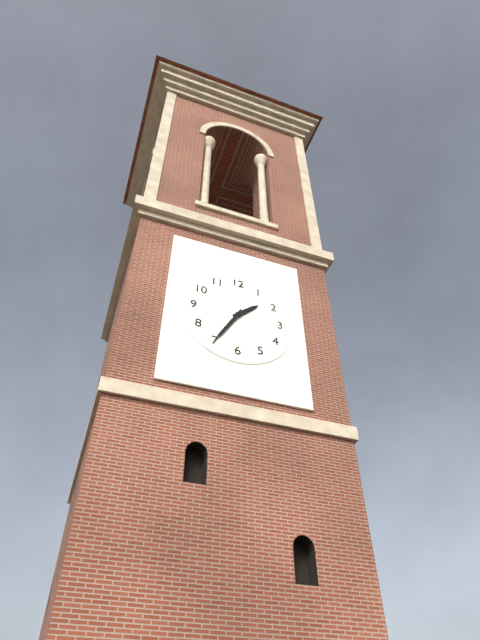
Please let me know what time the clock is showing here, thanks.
1:35
